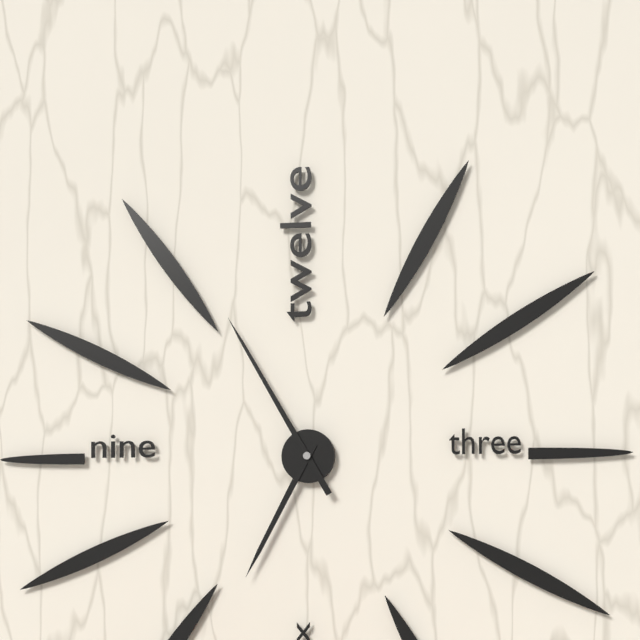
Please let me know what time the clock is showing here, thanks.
6:55
